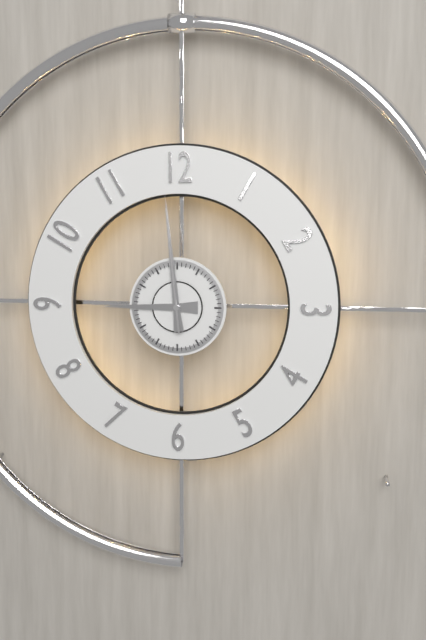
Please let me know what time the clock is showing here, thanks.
8:59:59
